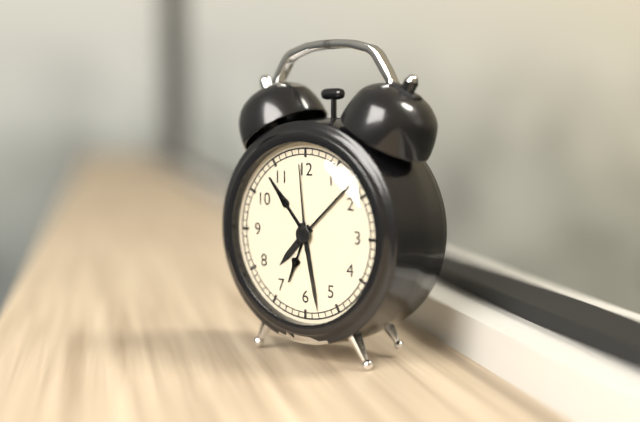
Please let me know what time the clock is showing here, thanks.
7:28:59
